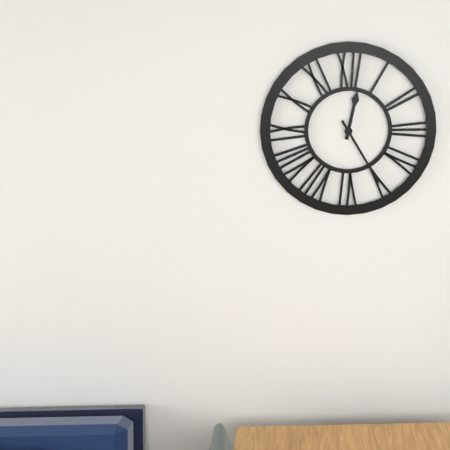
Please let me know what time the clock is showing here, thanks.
12:25
